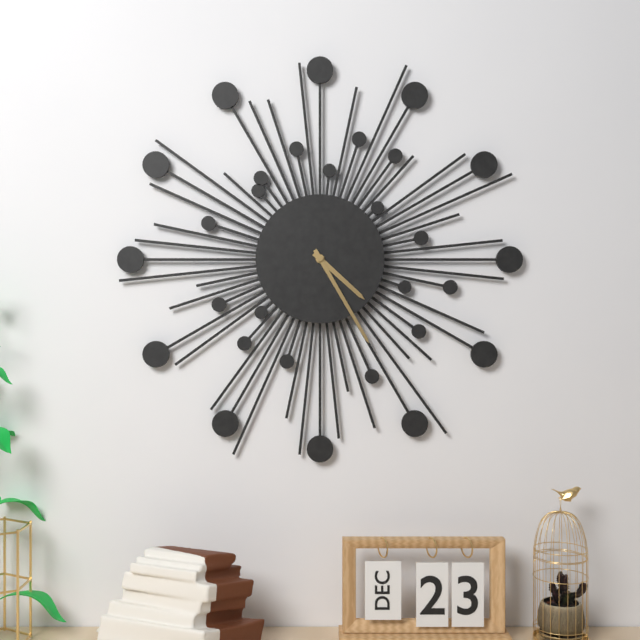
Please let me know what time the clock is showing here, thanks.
4:25
